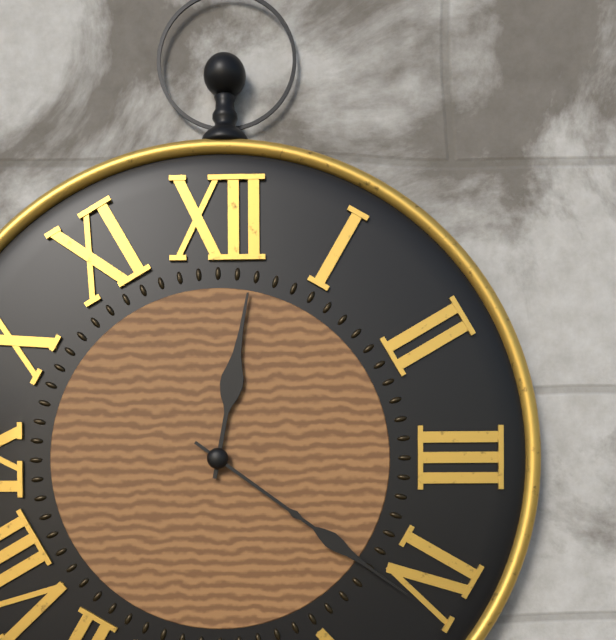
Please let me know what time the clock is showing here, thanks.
12:21
